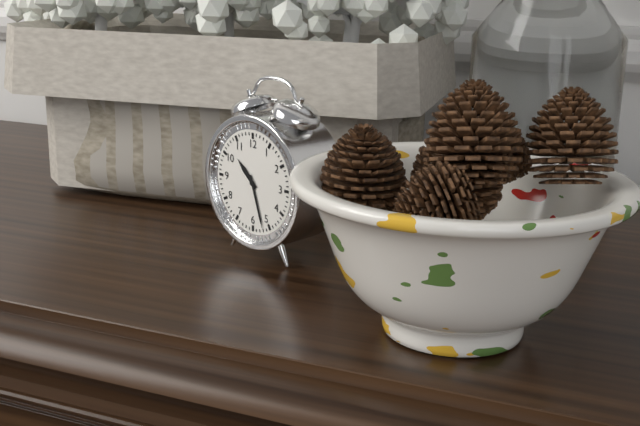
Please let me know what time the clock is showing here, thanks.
10:27
